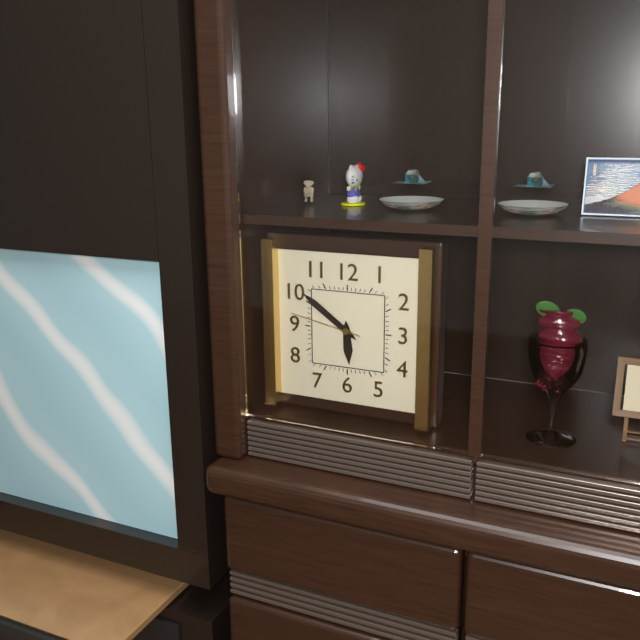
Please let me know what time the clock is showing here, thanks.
5:51:47
